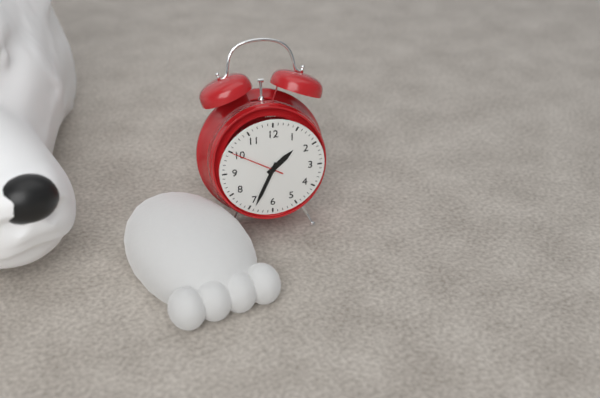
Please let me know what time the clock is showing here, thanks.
1:34
